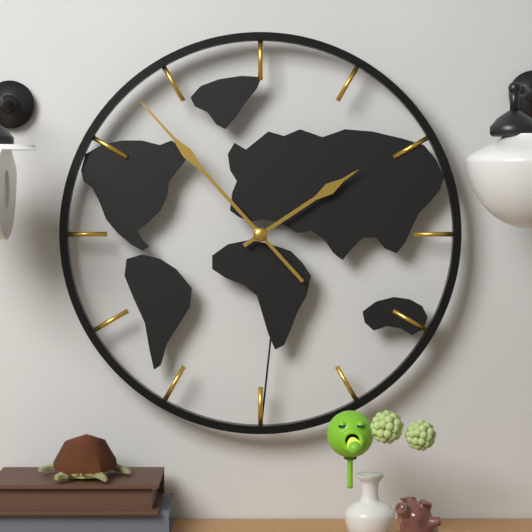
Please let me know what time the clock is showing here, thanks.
1:53
